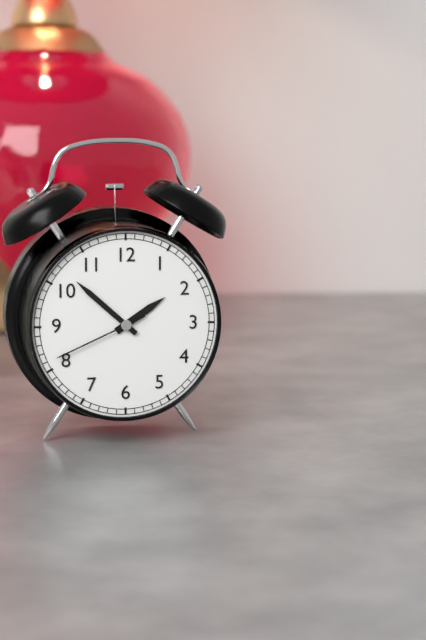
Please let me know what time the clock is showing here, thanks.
1:52:41
